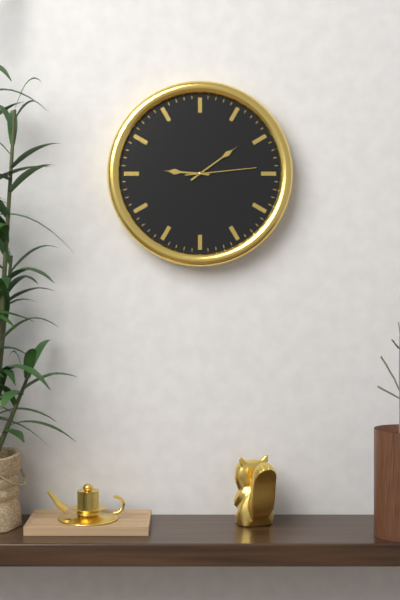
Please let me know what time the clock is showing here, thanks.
9:09:14
